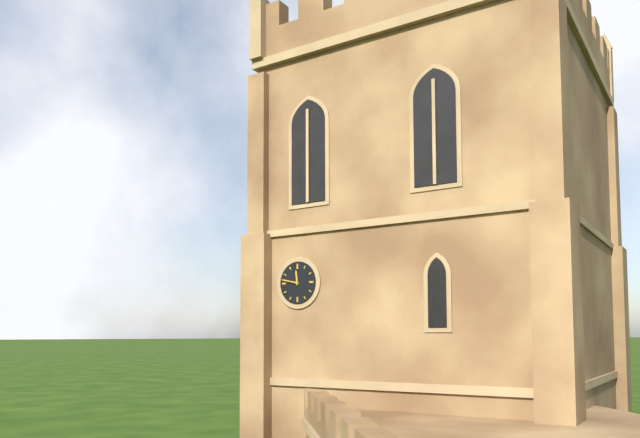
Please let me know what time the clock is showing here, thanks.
11:47
